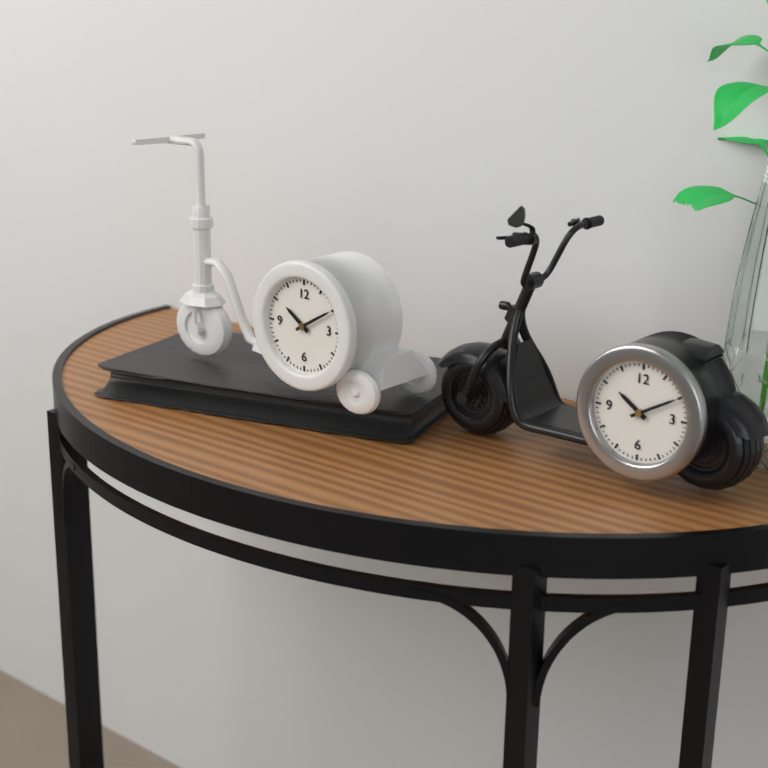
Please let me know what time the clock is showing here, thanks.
10:10
